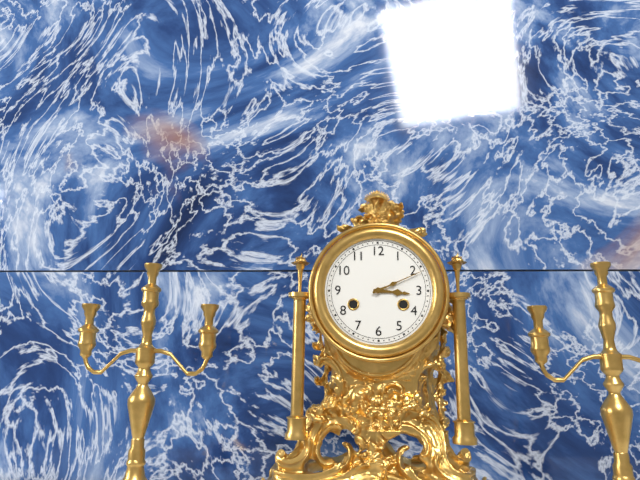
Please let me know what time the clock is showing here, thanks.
3:11
